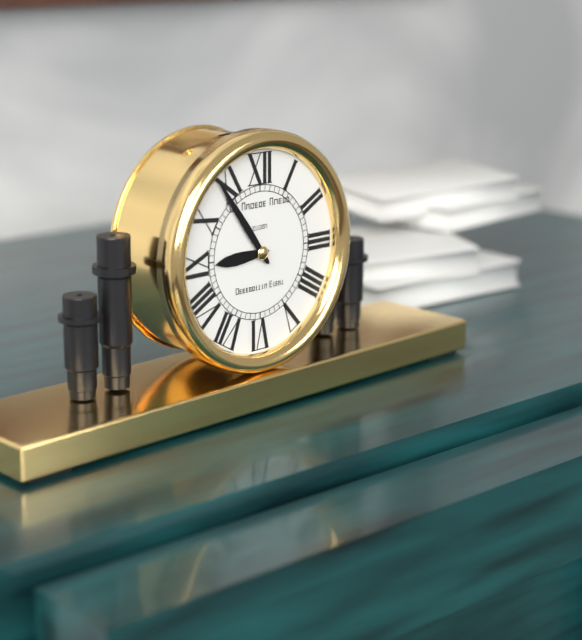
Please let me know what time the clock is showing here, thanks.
8:54
